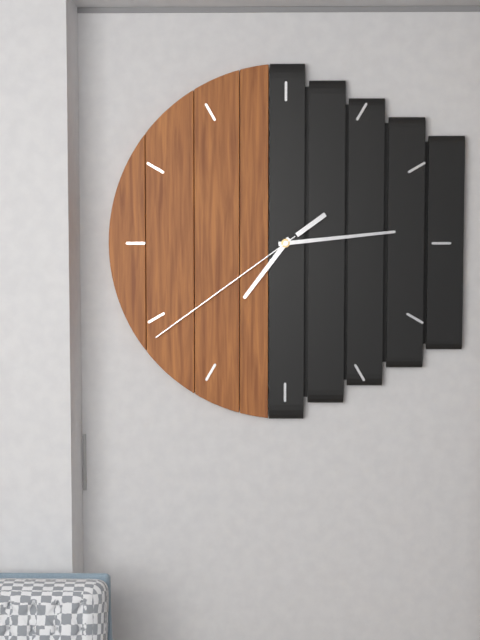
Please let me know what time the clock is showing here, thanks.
7:14:39
